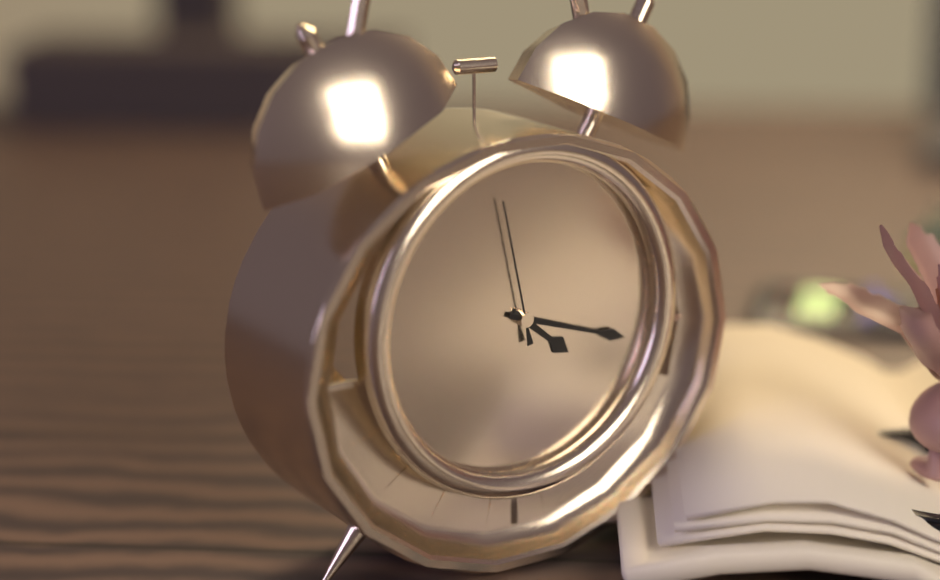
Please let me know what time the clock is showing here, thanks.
4:18:58
